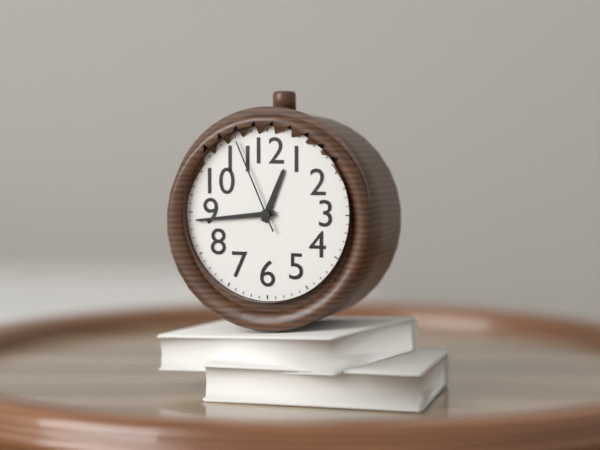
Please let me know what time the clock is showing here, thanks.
12:44:56
